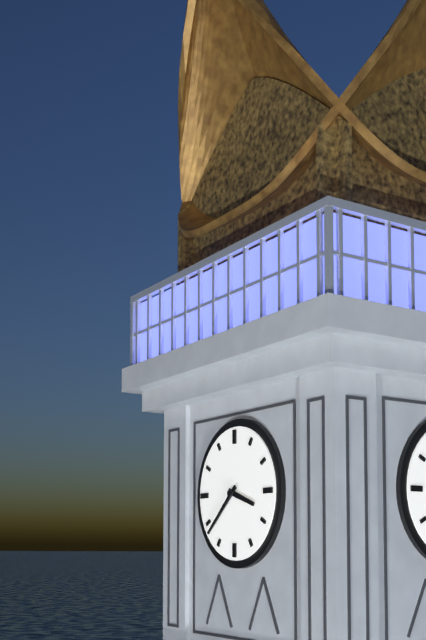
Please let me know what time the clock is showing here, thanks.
3:38
